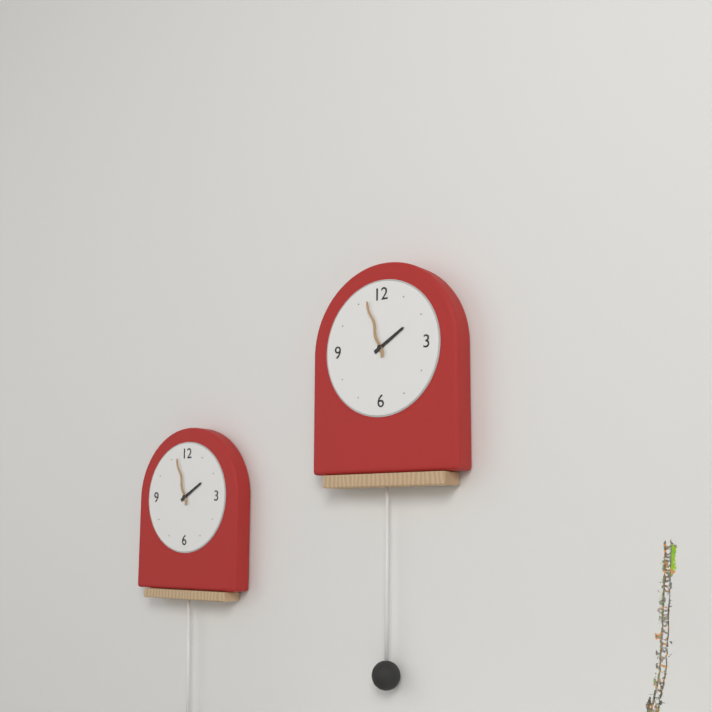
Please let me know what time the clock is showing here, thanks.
1:57
